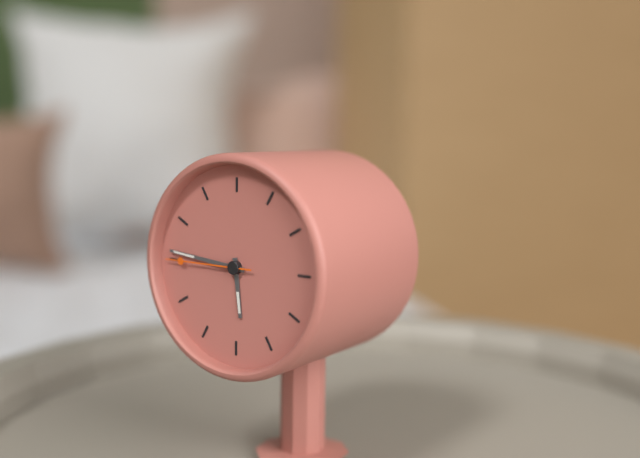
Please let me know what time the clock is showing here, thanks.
5:46:45
